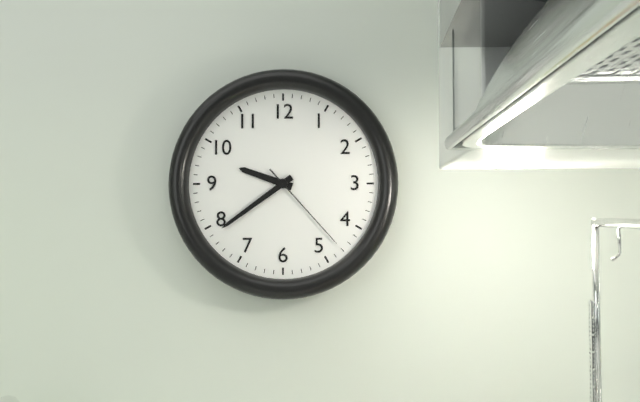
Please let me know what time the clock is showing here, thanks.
9:39:23
